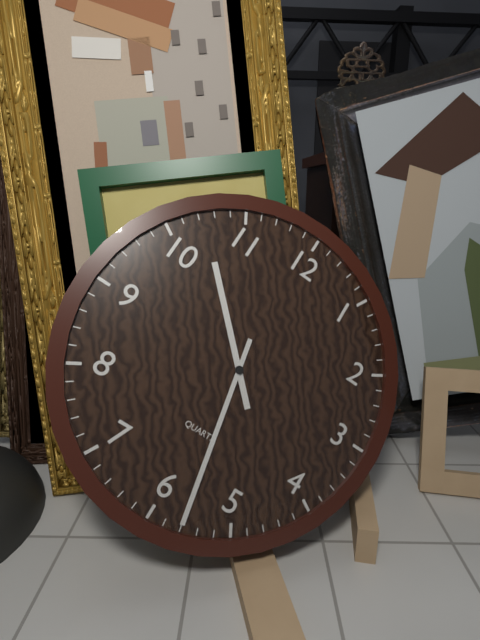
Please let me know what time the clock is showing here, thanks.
10:28
